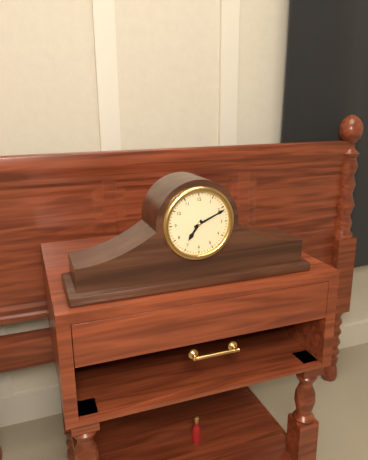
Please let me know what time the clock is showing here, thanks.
7:11
